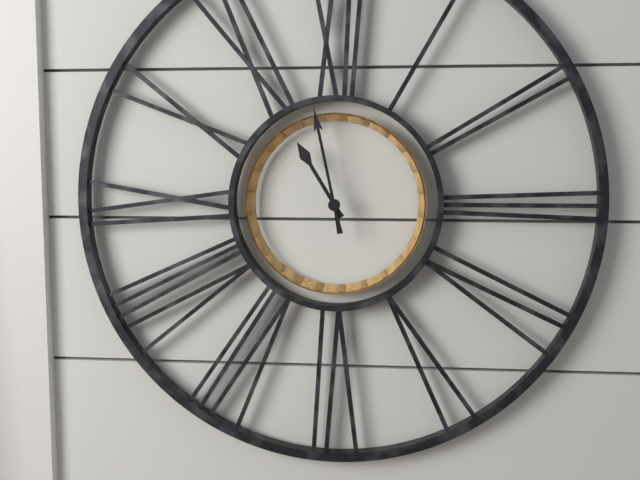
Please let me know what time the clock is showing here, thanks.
10:58
